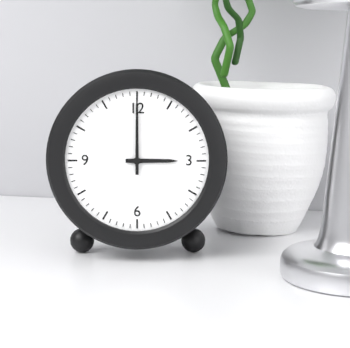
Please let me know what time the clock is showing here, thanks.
3:00
